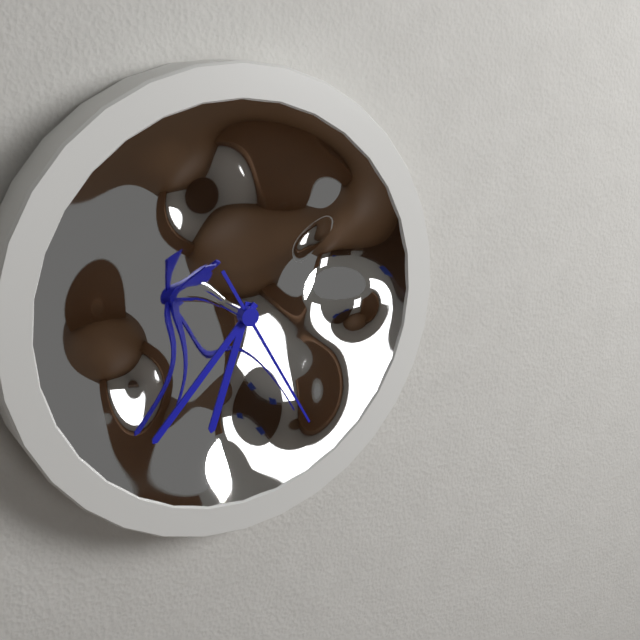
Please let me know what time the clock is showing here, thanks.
6:37:25
